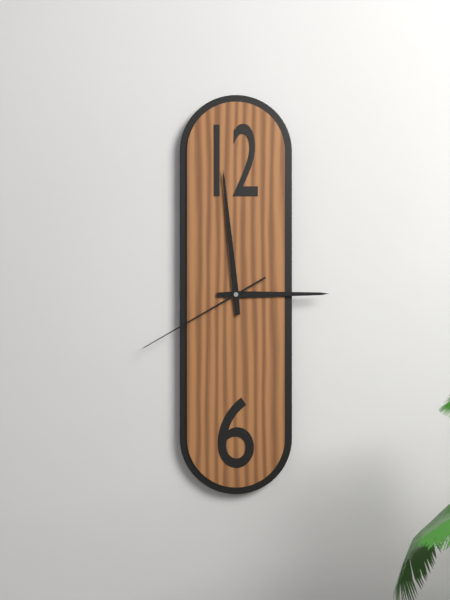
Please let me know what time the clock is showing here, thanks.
2:59:40
